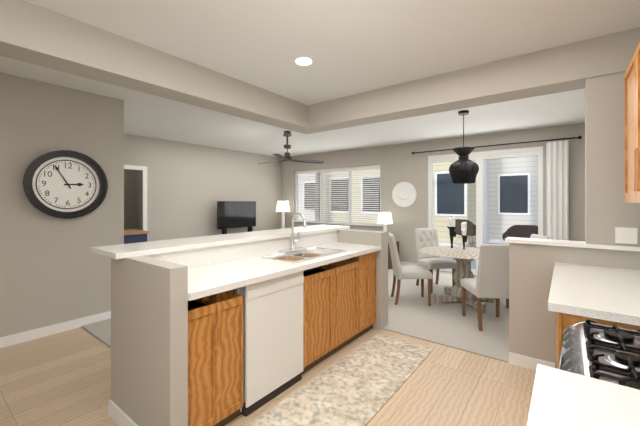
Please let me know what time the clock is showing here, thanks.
2:55
